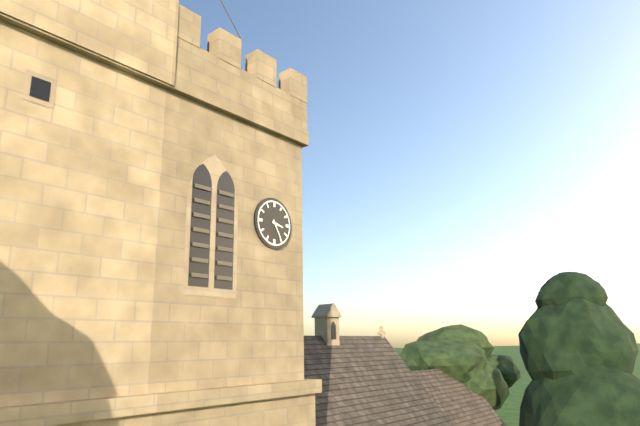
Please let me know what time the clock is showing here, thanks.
3:25
